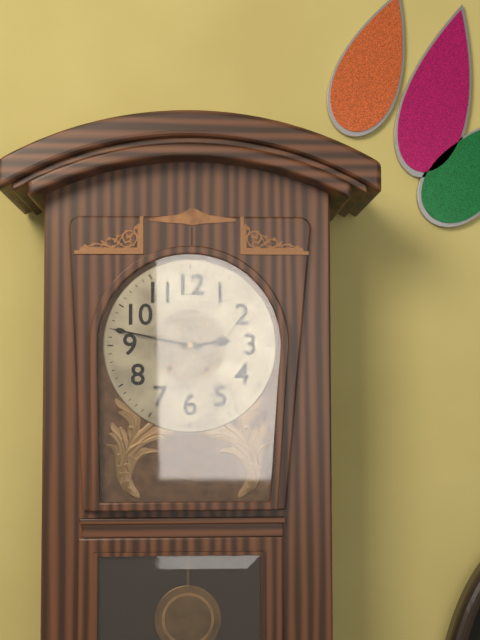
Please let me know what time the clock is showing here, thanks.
2:47
